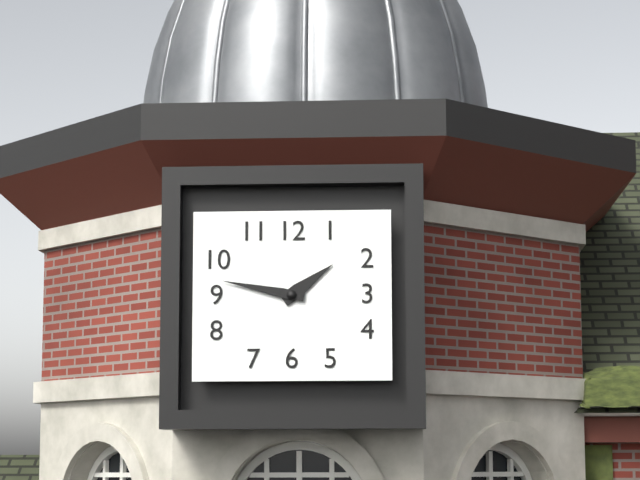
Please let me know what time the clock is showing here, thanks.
1:47
